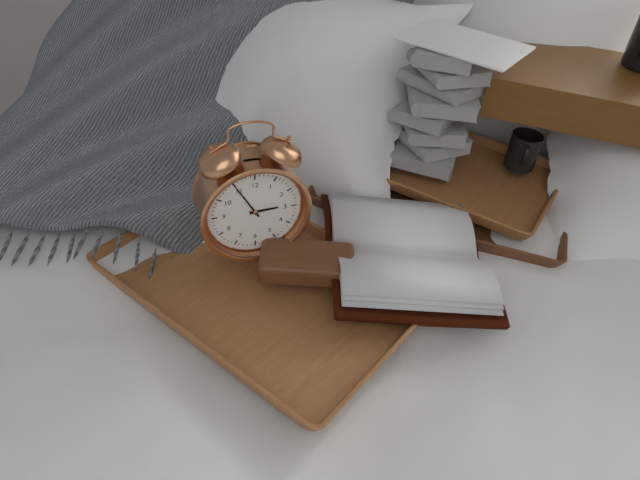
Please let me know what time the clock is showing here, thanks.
2:55
